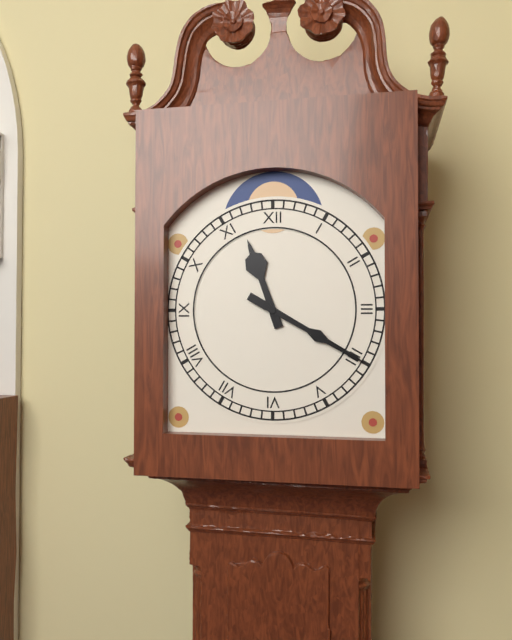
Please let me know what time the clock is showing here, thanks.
11:20
